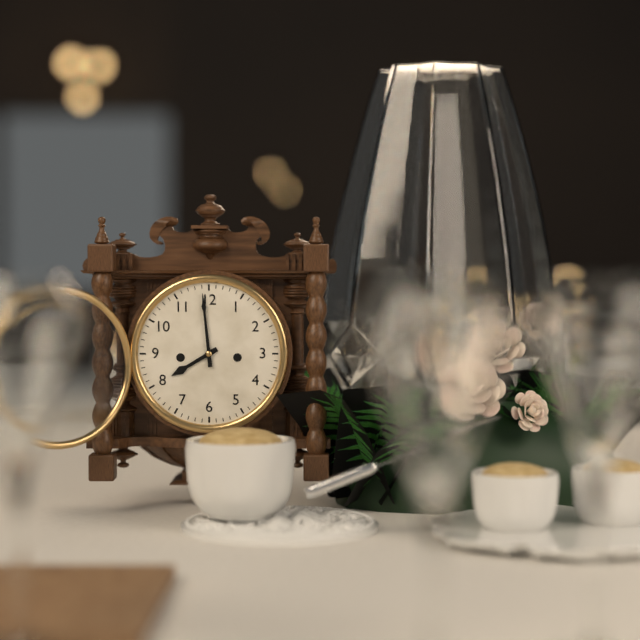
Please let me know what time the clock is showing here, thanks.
7:59
